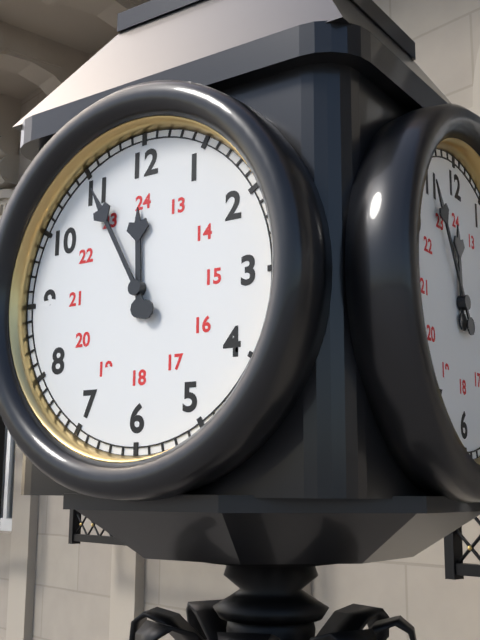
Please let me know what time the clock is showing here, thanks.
11:55
